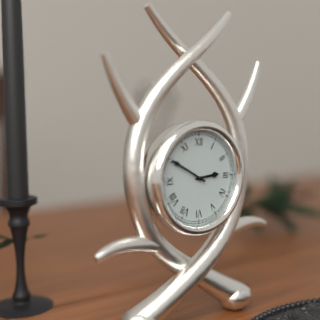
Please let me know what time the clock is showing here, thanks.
2:50
